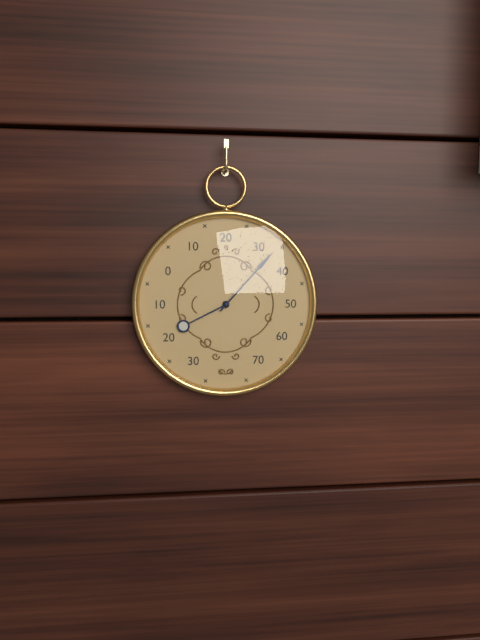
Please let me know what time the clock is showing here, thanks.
8:07
